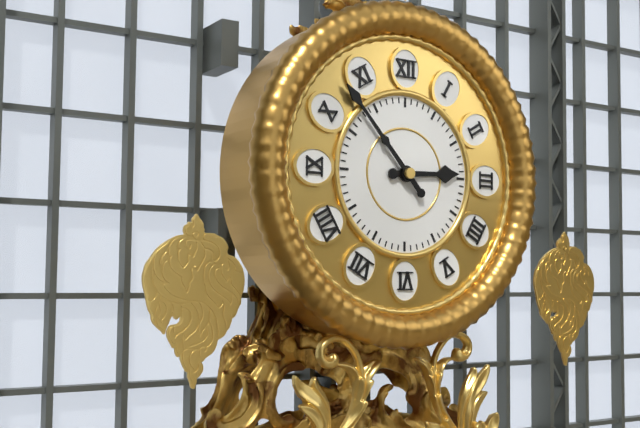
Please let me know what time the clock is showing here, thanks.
2:53
